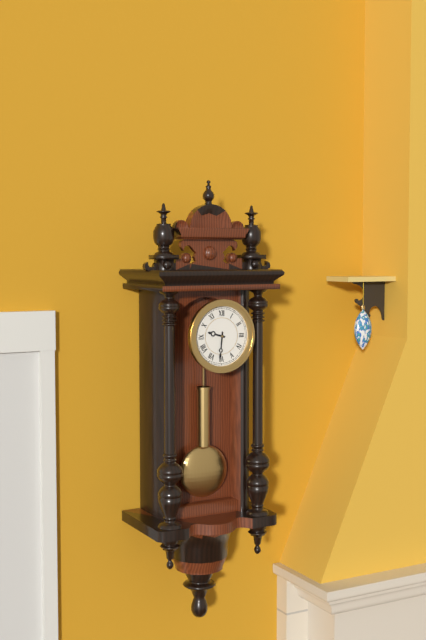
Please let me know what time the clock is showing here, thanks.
9:31
